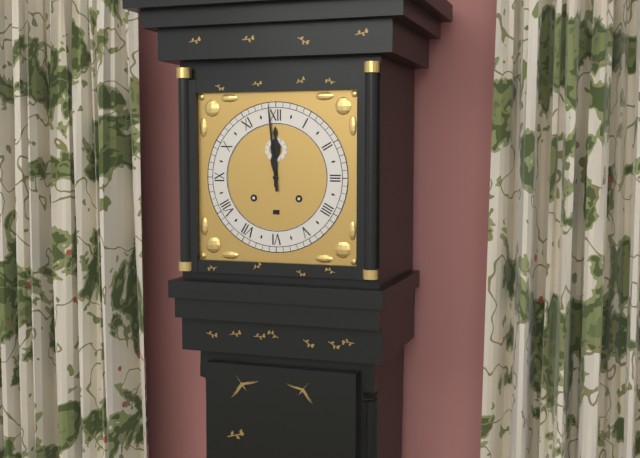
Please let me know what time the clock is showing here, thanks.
11:59
